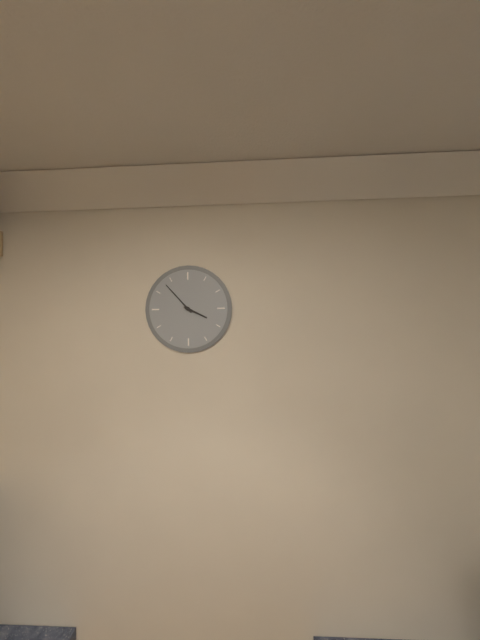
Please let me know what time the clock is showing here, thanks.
3:53
